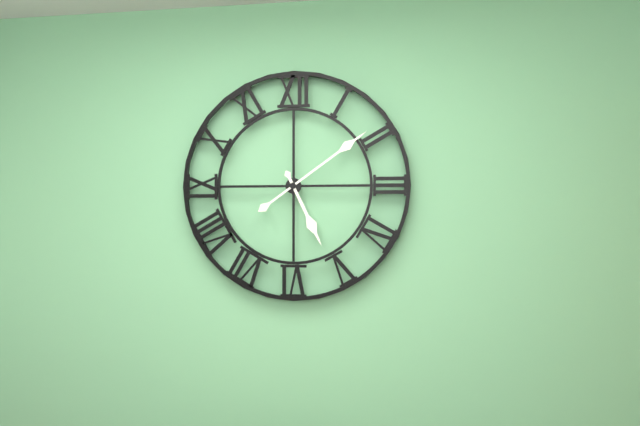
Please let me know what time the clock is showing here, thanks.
5:09
